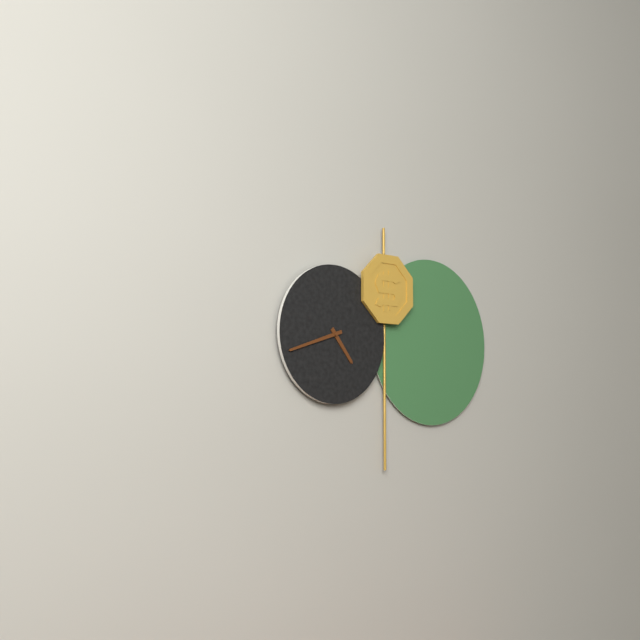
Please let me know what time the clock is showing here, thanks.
4:42
